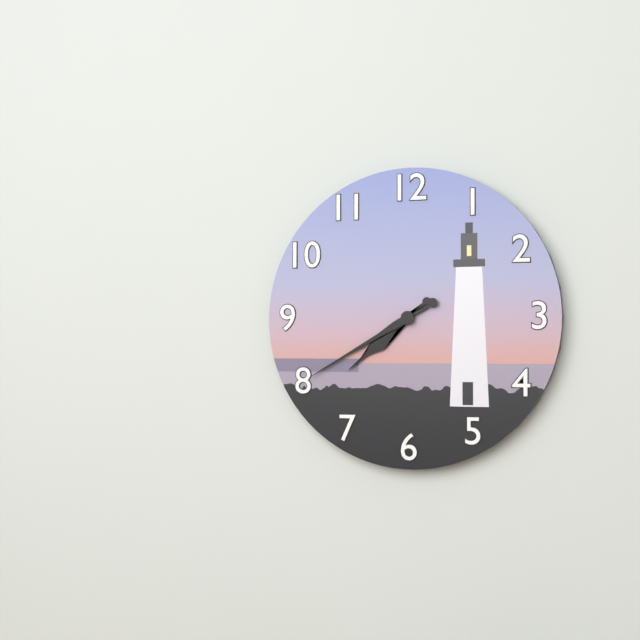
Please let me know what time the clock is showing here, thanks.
7:40
